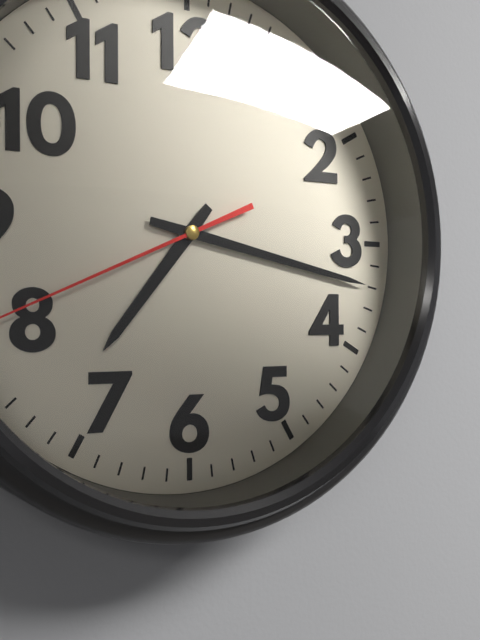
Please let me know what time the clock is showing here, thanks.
7:17
